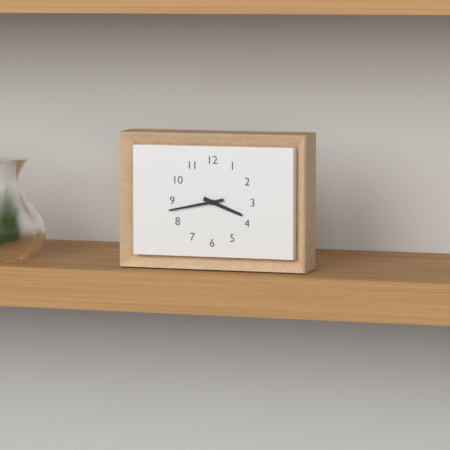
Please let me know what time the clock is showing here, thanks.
3:43
